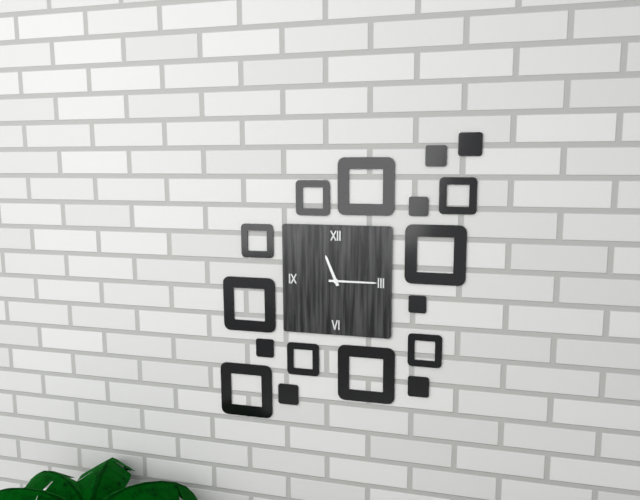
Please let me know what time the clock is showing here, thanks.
11:15
